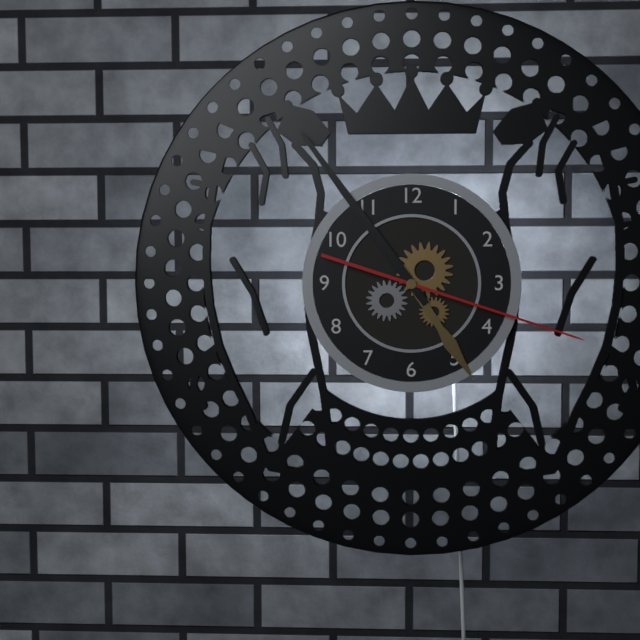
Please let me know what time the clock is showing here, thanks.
4:54:18
